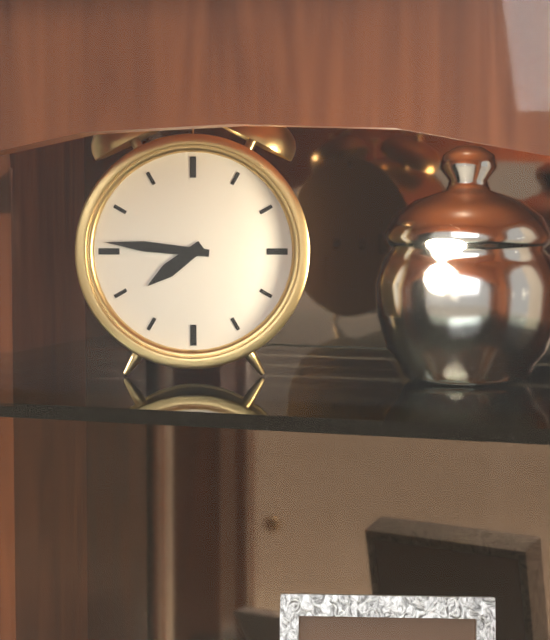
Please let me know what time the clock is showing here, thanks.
7:46
